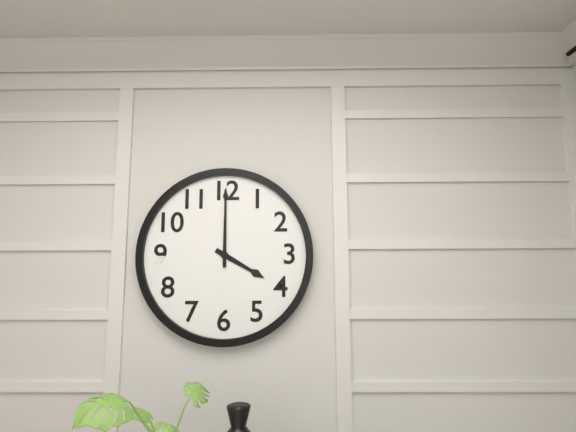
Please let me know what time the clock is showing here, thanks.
4:00
